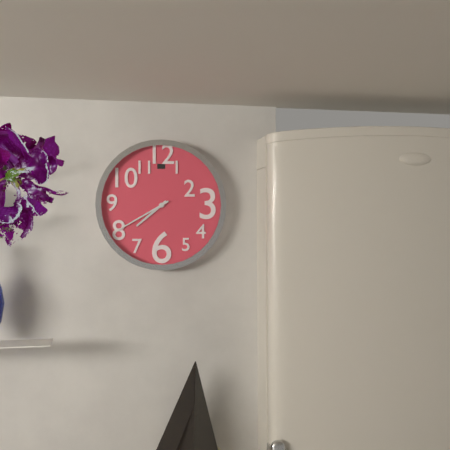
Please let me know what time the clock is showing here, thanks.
7:40
